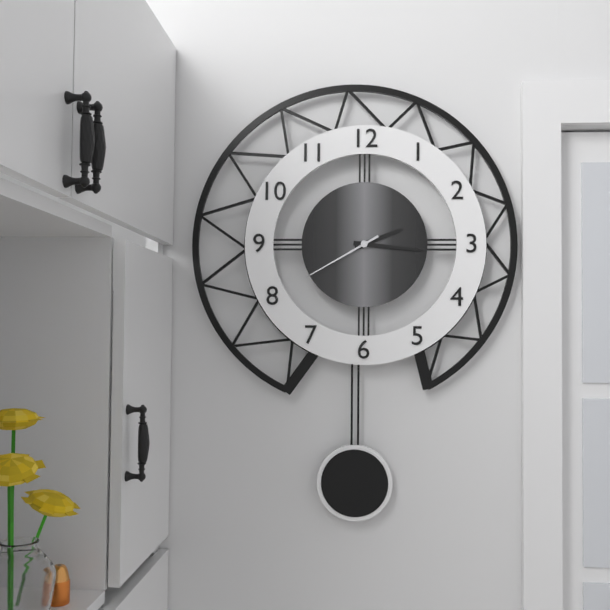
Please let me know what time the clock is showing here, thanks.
2:16:40
